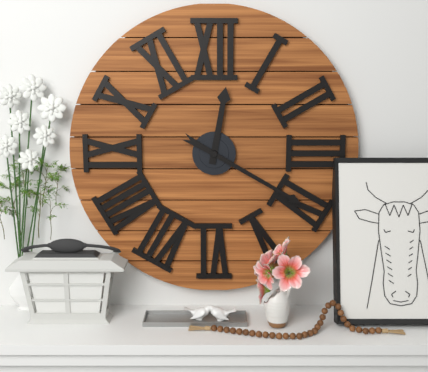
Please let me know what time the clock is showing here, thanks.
12:20
